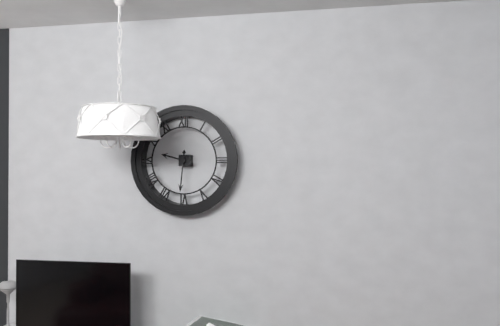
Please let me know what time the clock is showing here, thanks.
9:31
